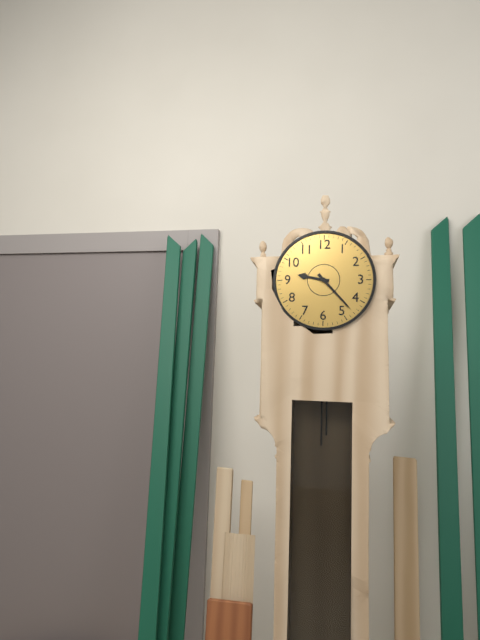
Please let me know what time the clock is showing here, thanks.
9:23
